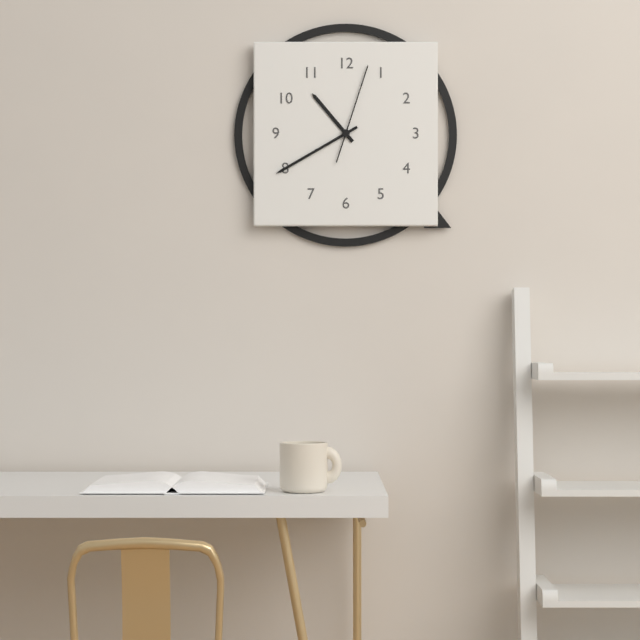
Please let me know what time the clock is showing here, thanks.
10:40:03
